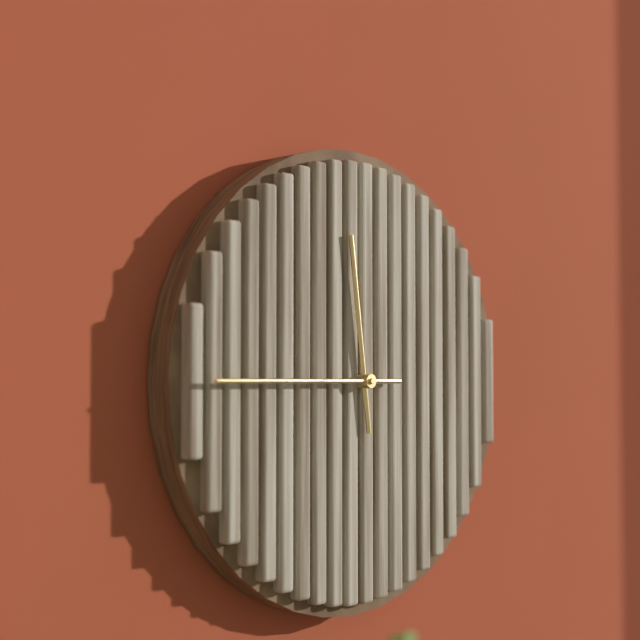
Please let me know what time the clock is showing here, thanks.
11:45
